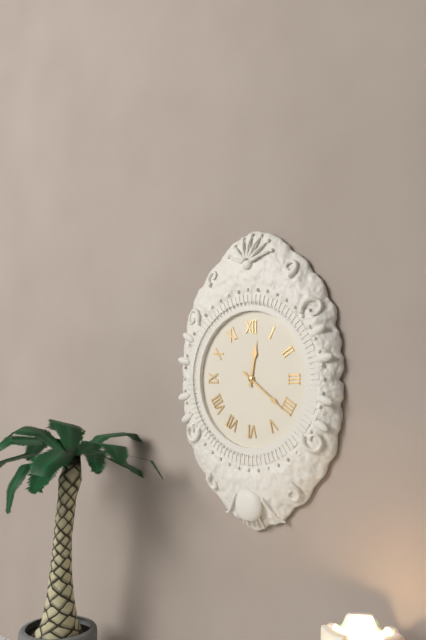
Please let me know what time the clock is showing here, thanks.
12:21
